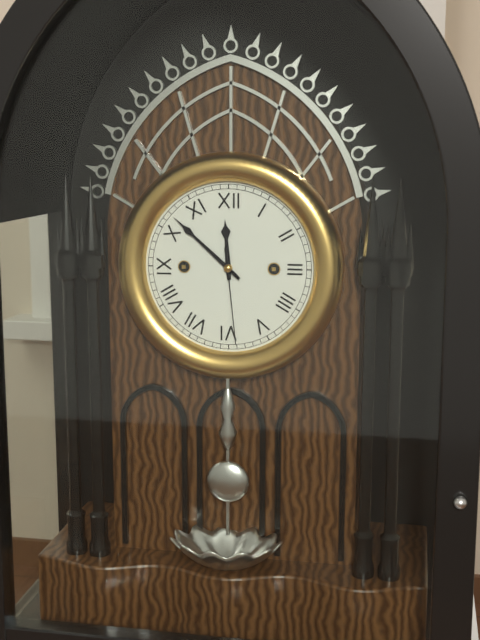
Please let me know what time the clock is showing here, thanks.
11:52:29
